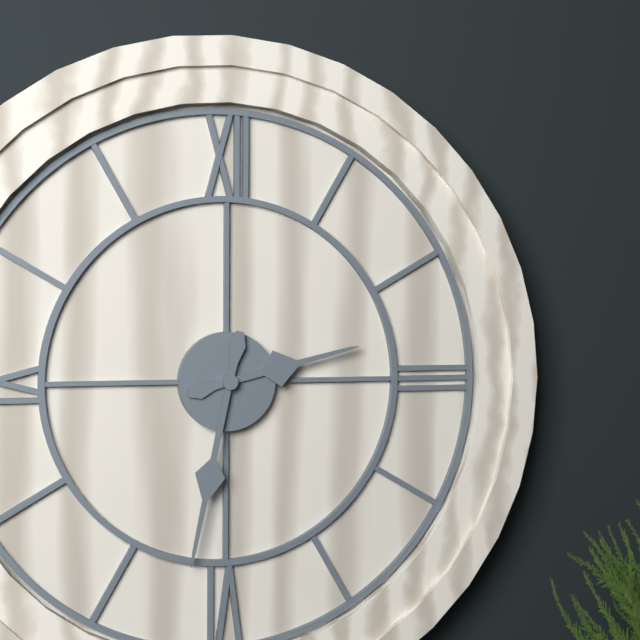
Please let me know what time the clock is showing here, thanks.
2:32
